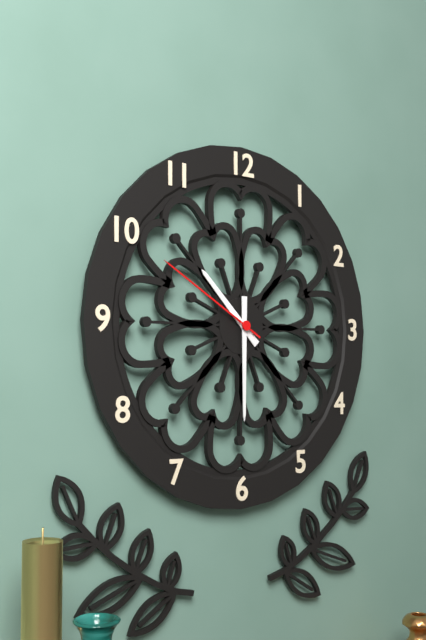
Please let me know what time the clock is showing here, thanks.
10:30:50
